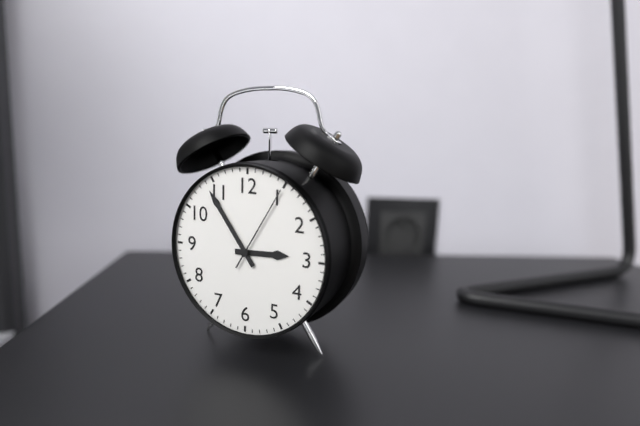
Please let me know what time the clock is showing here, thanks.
2:54:05
